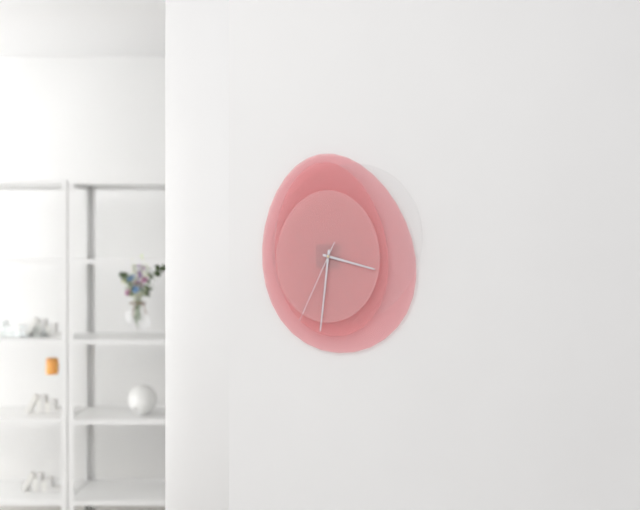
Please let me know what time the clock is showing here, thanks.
3:31:34
